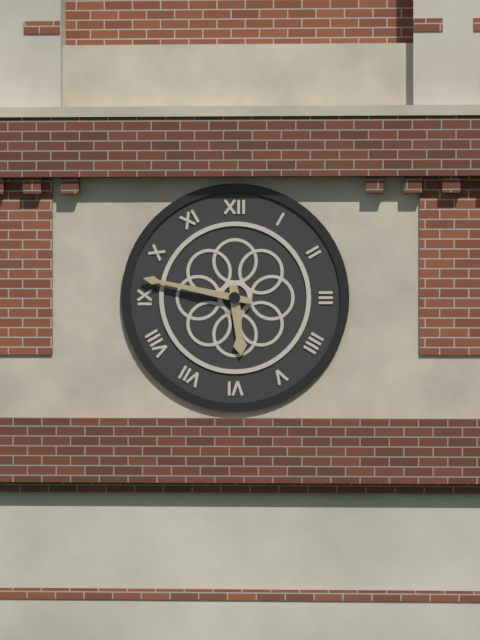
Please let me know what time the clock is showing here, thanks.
5:47
